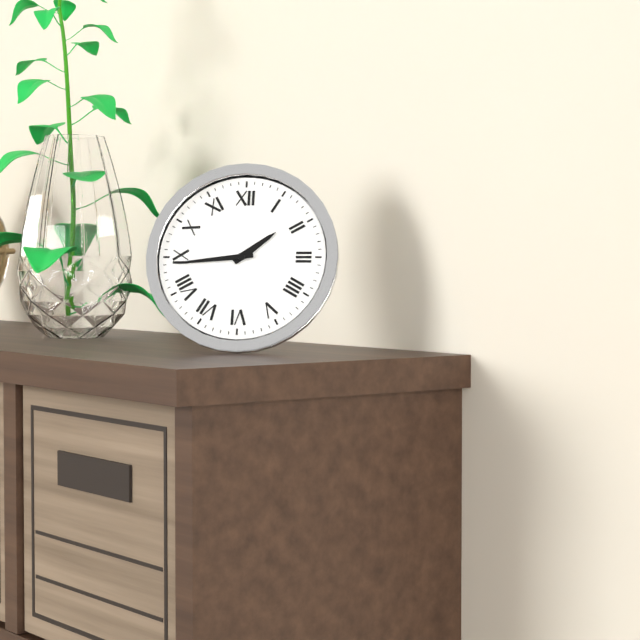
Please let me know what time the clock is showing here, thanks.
1:44
